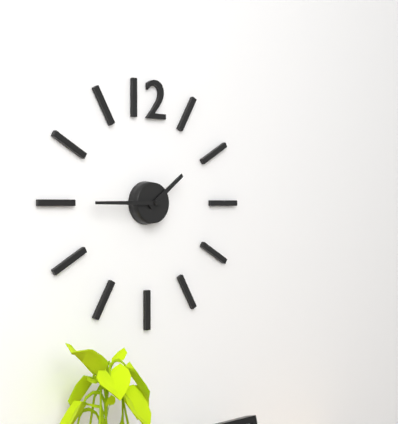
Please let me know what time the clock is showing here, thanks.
1:45
